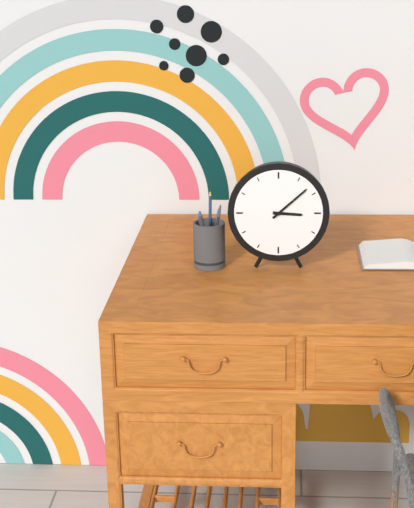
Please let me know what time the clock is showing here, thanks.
3:08
